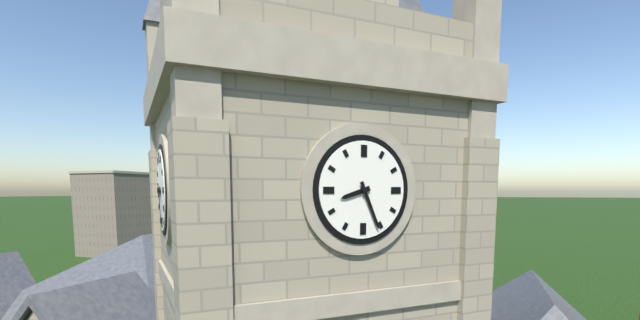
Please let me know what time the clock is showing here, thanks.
8:26
